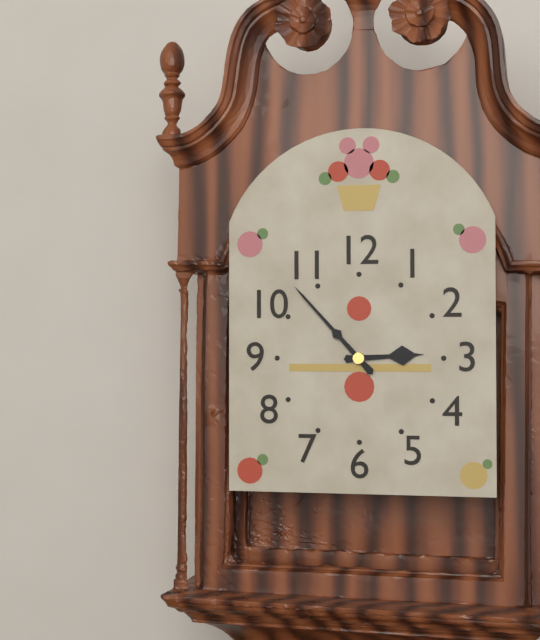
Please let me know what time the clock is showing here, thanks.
2:53
